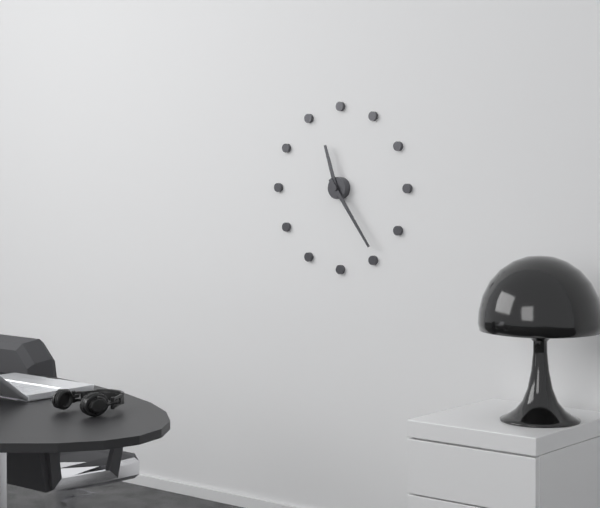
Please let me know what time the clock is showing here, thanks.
11:24
